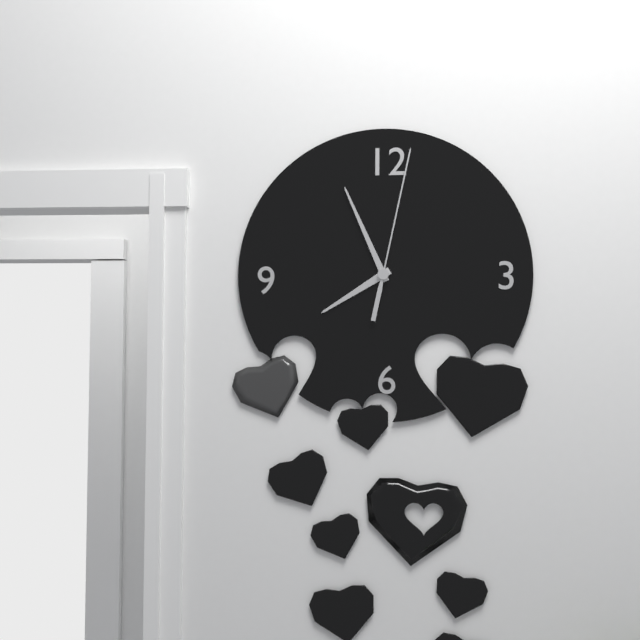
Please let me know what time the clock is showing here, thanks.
7:56:02
